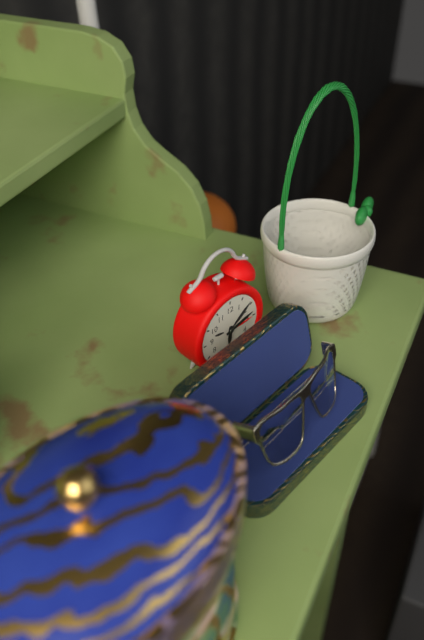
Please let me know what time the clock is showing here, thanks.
6:13
